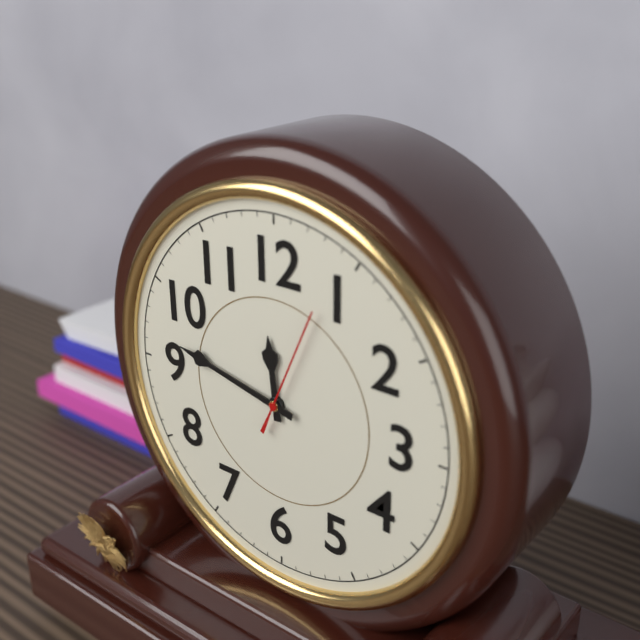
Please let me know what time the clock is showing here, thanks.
11:47:04
